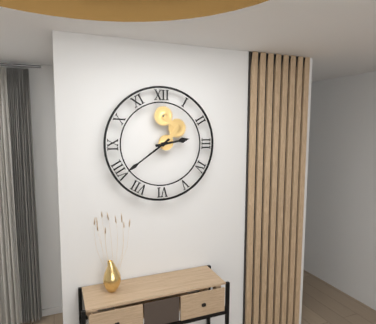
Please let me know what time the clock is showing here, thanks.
2:39
